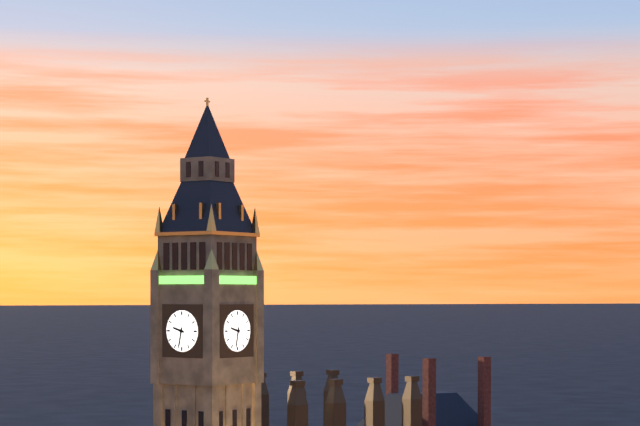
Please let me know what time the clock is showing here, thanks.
9:32
